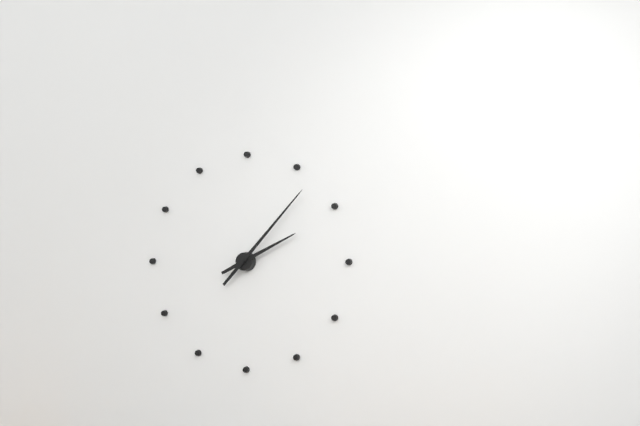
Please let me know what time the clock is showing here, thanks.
2:07
